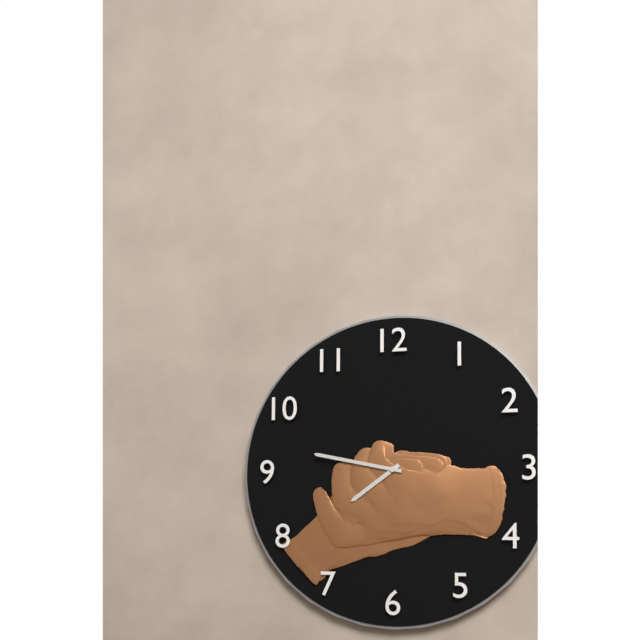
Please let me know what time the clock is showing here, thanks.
7:47
